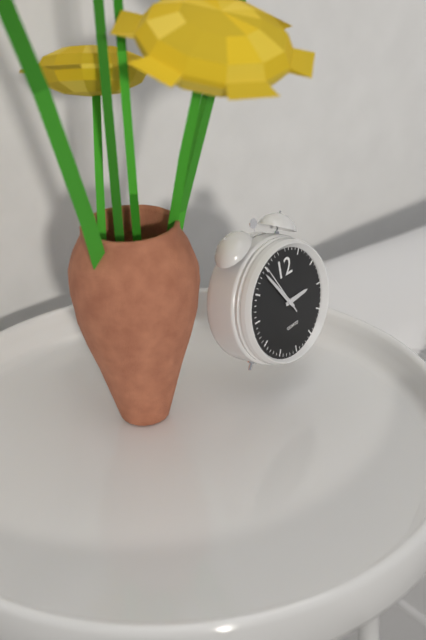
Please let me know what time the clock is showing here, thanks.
2:54:55
